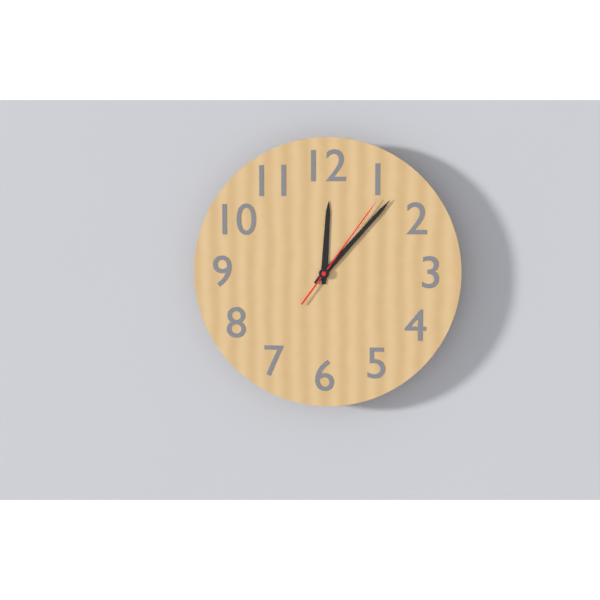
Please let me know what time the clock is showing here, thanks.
12:07:06
